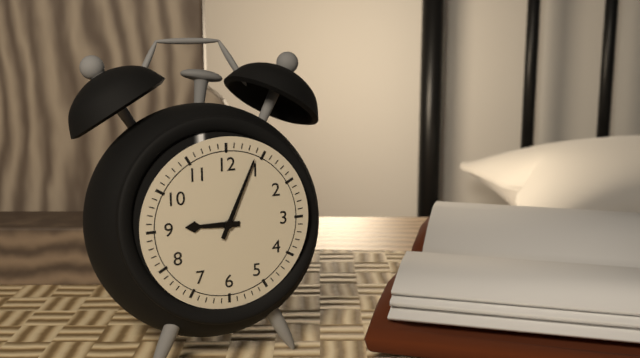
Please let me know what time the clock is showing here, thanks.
9:04
